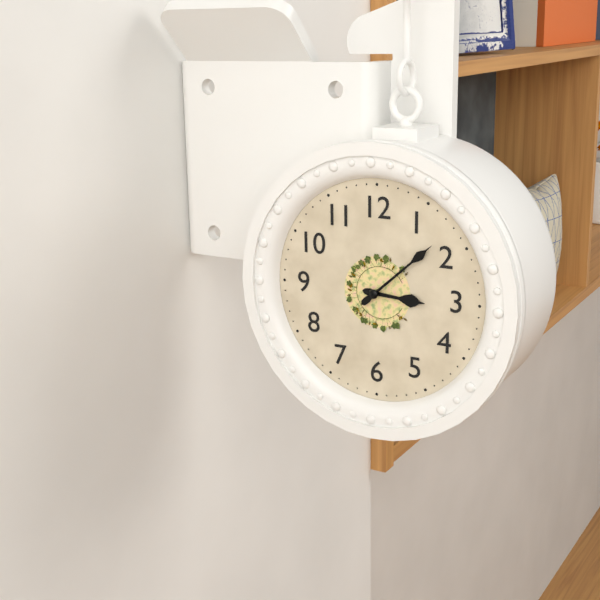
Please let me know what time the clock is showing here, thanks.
3:08
